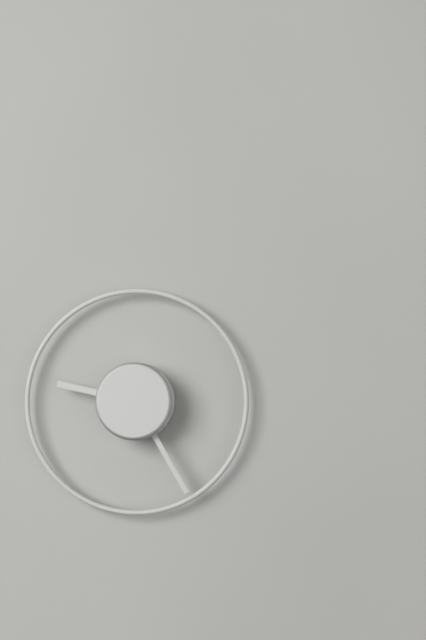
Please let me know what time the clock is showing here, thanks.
9:25
